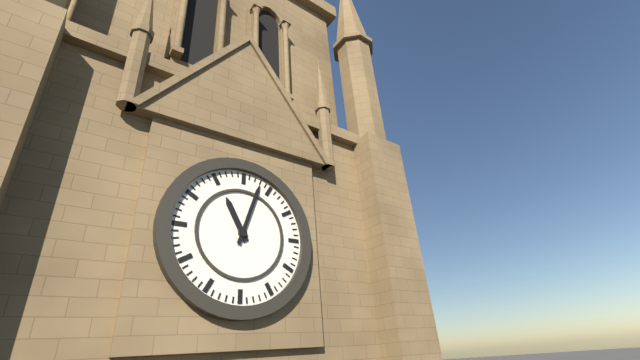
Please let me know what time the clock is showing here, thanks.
11:03
